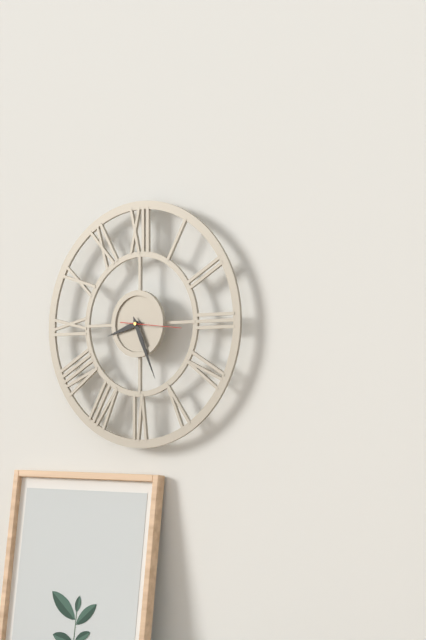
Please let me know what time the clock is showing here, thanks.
8:26:16
